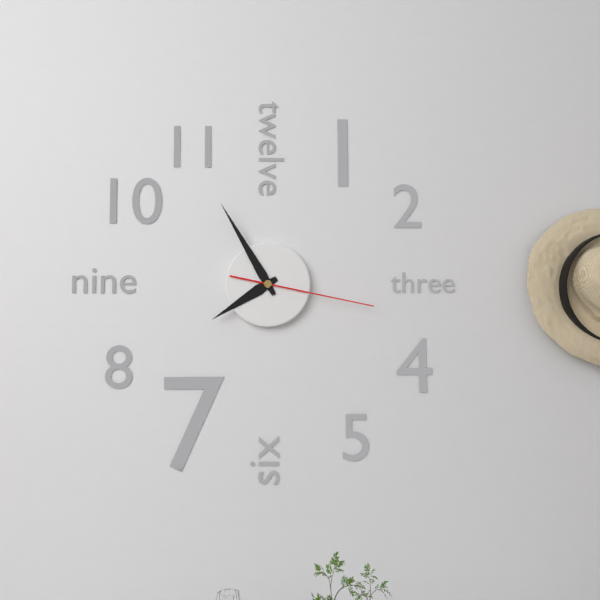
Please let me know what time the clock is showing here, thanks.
7:55:17
